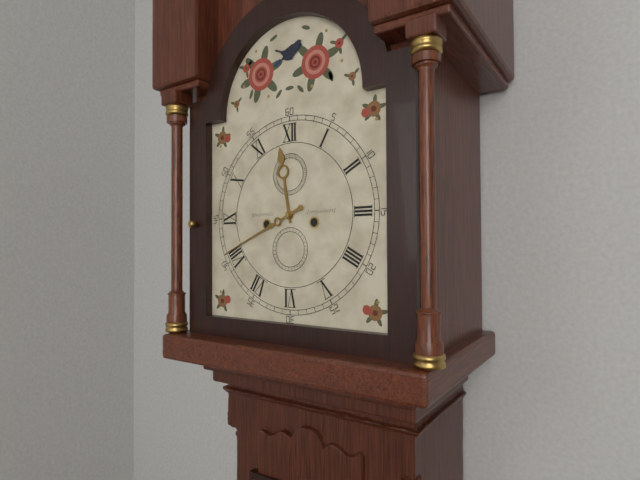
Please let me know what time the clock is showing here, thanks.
11:41
